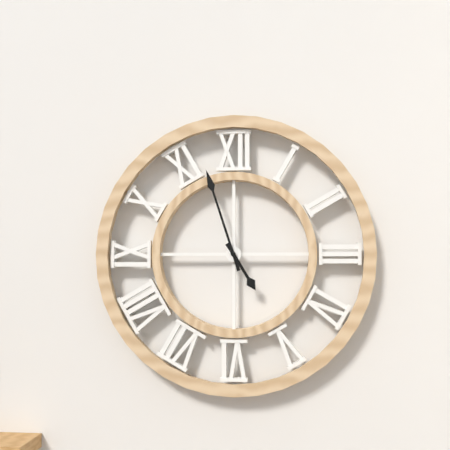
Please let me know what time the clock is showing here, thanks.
4:57
